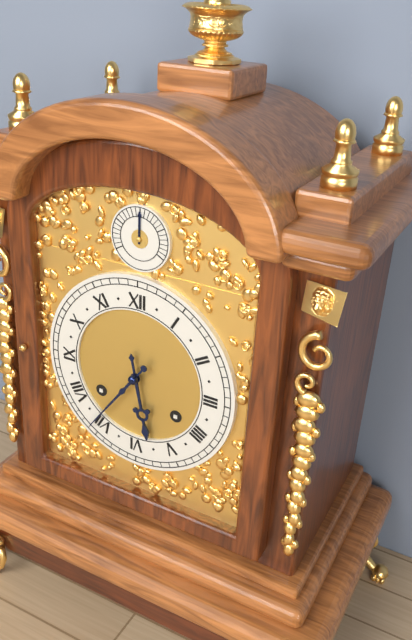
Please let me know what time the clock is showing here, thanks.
5:36
